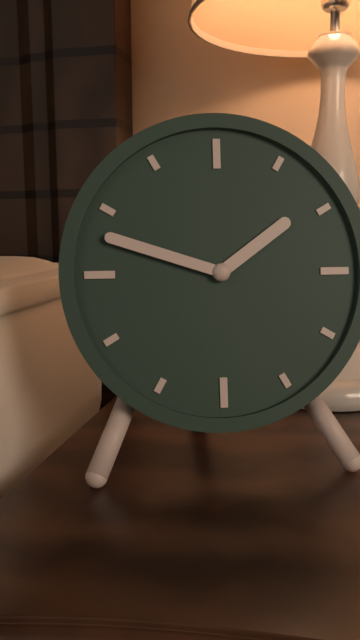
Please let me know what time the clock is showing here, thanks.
1:48
